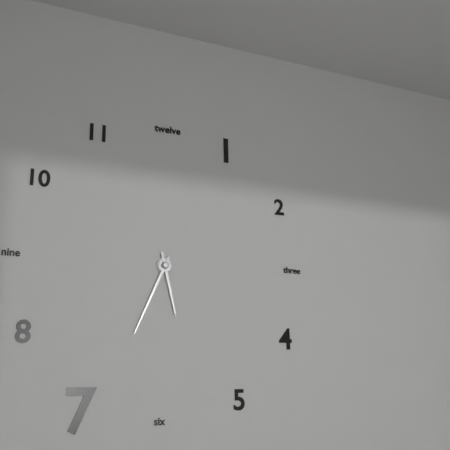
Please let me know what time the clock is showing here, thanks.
5:34
